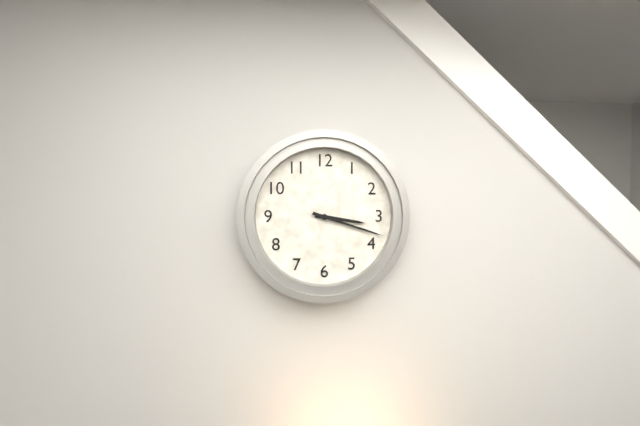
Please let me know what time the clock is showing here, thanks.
3:18
